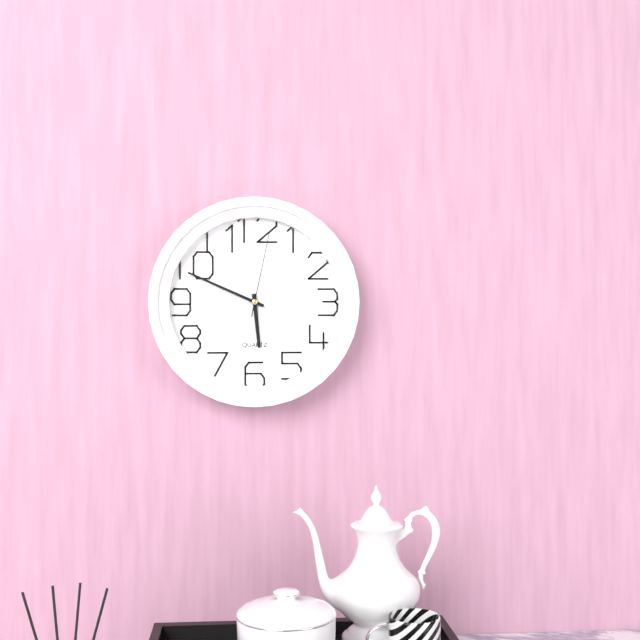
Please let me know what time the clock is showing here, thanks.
5:49:02
